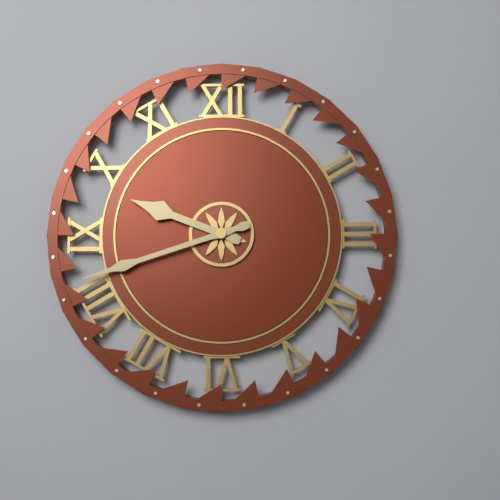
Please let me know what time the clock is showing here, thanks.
9:42
